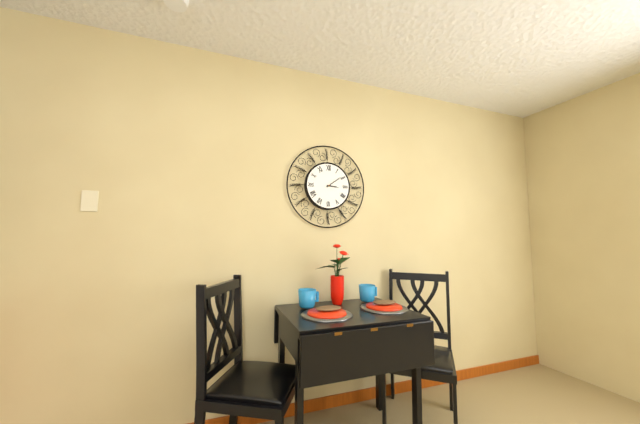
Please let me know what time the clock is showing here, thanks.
3:09
